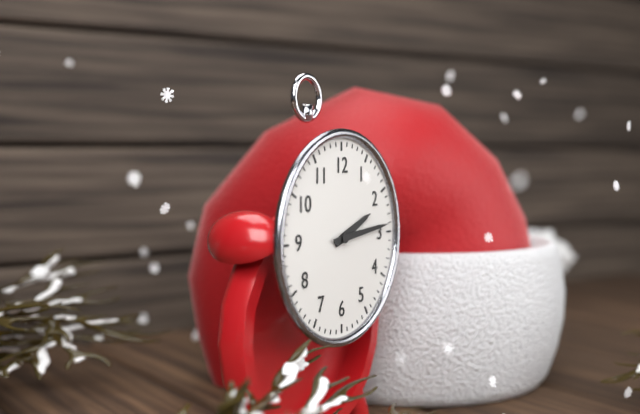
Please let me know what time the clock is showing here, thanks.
2:14
